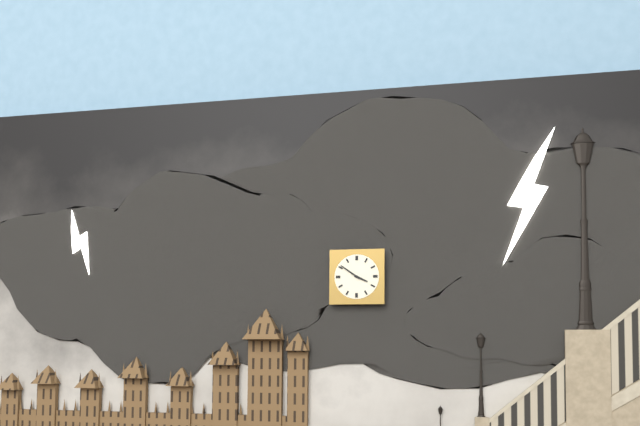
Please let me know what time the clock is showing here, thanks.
3:51
